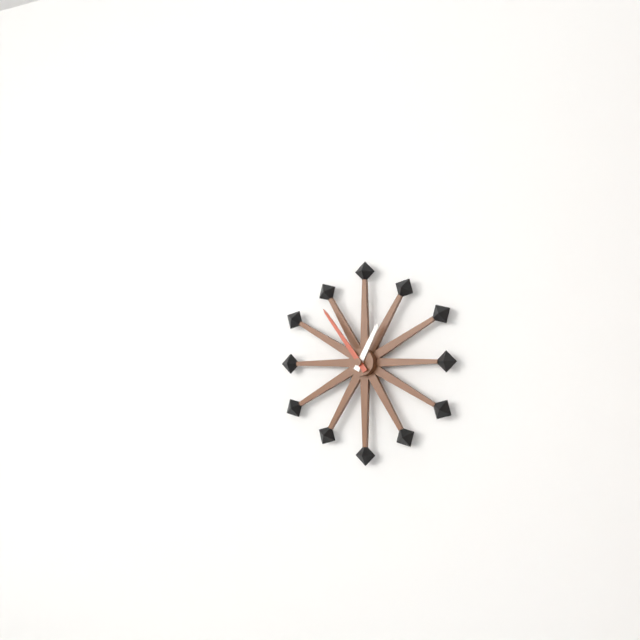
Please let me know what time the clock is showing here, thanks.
12:54
